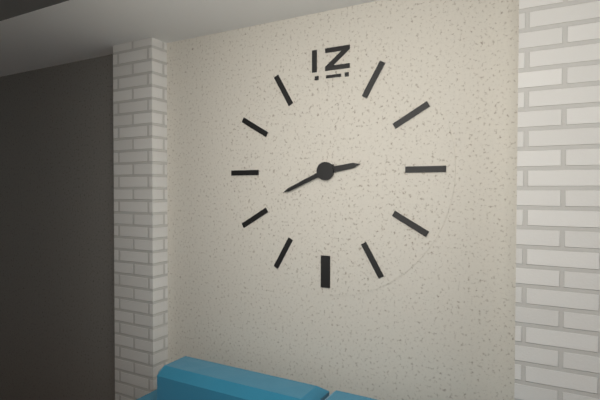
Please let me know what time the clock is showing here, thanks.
2:41
